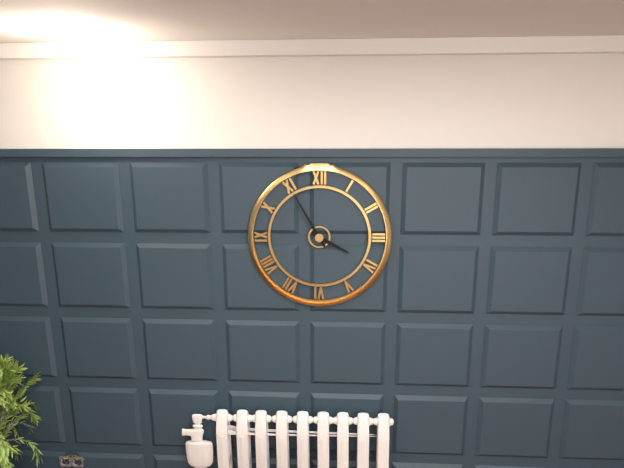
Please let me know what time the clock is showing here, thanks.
3:55
